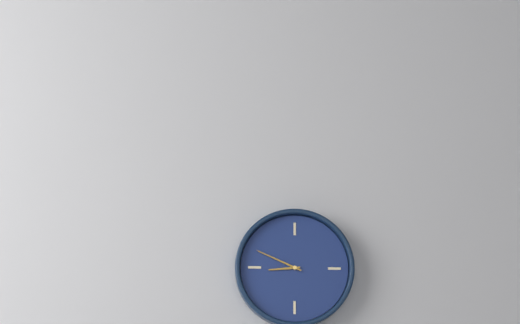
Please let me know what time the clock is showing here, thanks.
8:49
